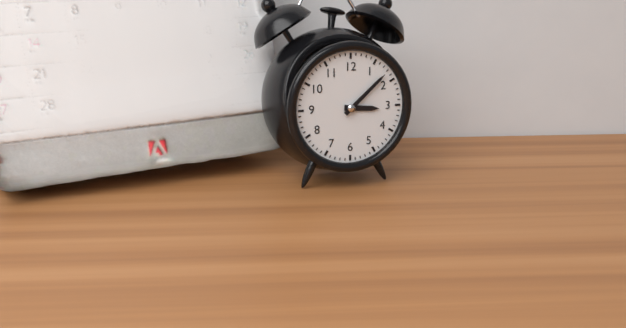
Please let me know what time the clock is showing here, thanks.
3:08
